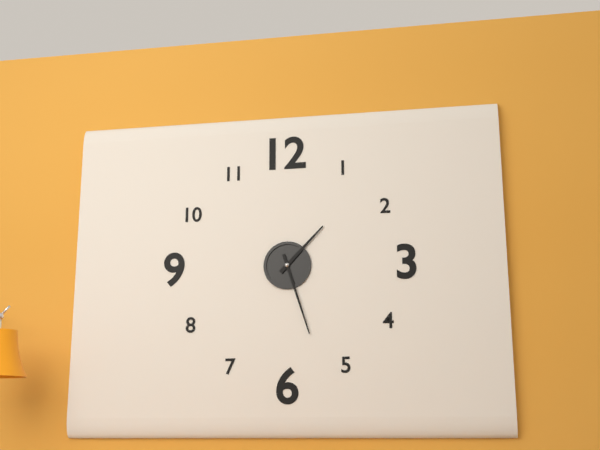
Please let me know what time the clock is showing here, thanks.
1:27
